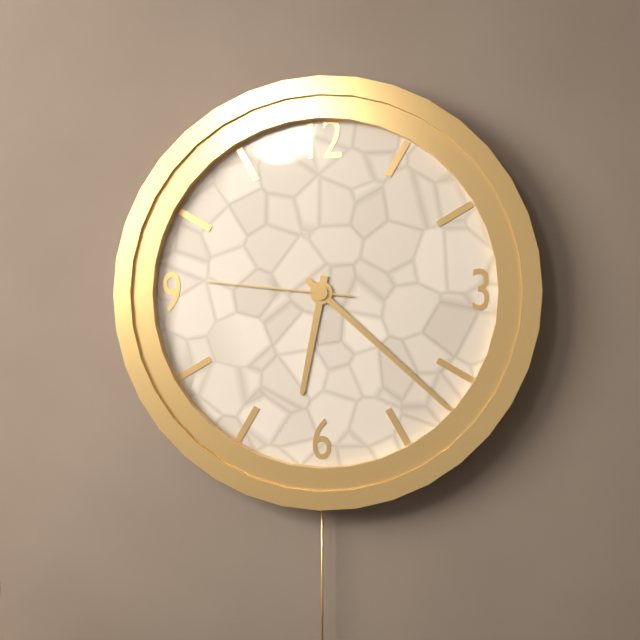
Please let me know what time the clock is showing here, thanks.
6:22:46
